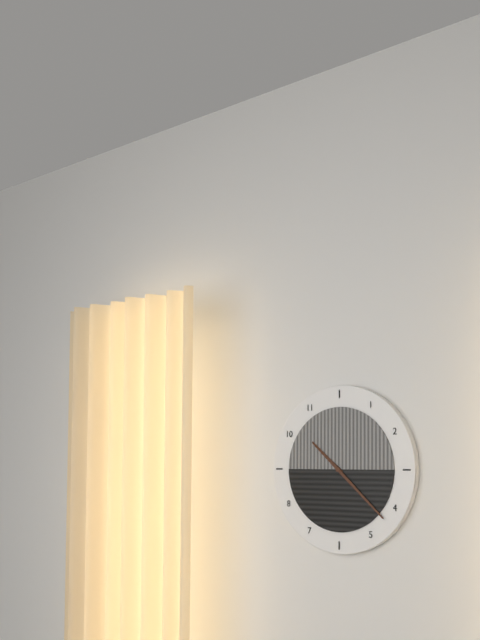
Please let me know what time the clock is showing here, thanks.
10:22
